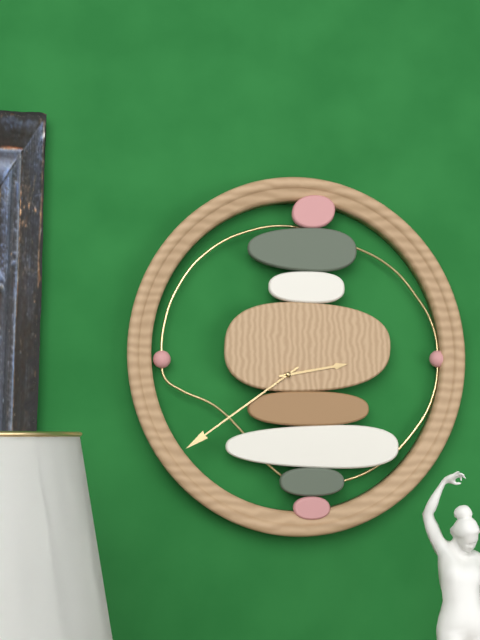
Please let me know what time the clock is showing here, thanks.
2:39
